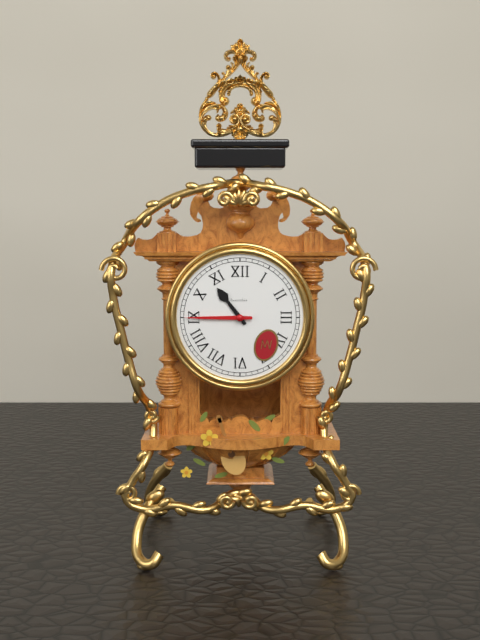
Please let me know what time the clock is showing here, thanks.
10:45
